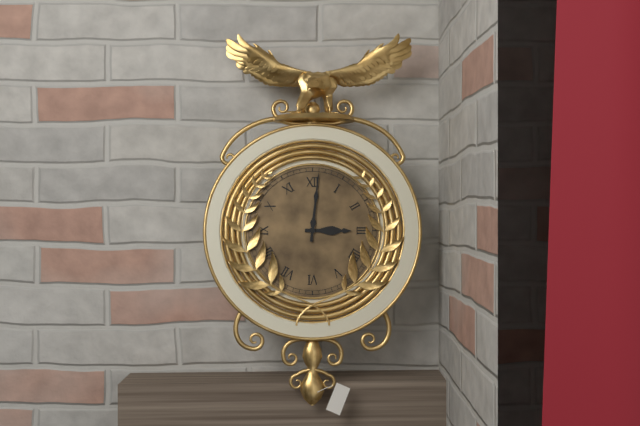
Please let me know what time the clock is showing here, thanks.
3:01
